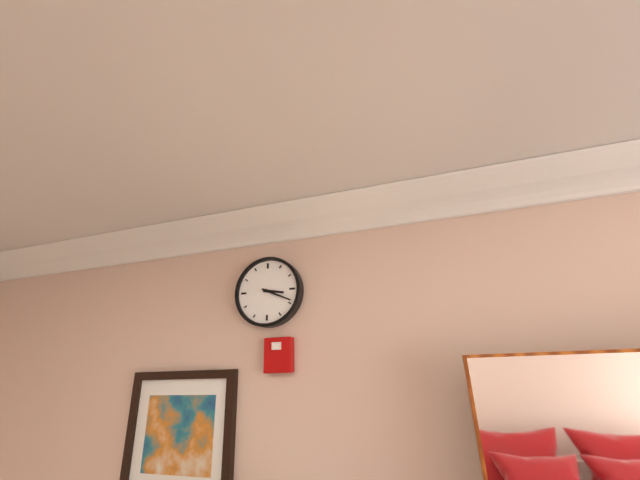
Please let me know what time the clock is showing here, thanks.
3:19
